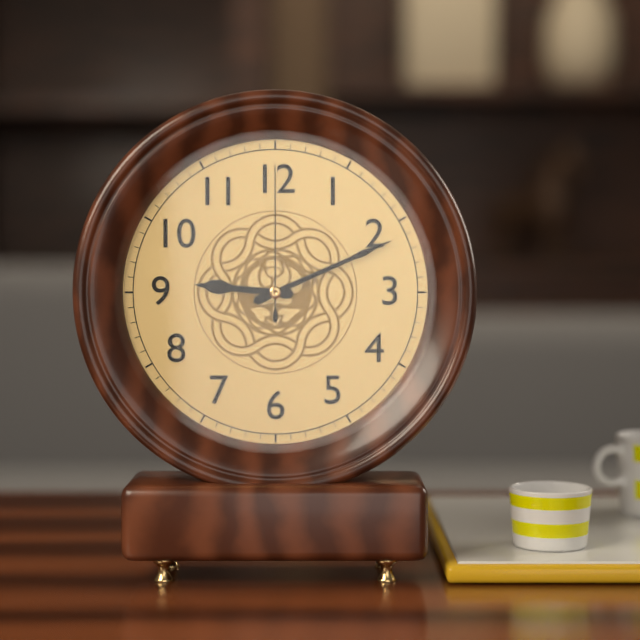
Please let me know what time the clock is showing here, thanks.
9:11:00
